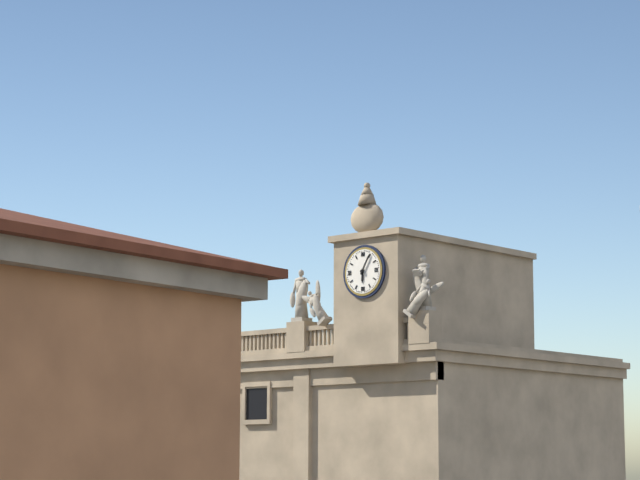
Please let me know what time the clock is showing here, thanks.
6:05
